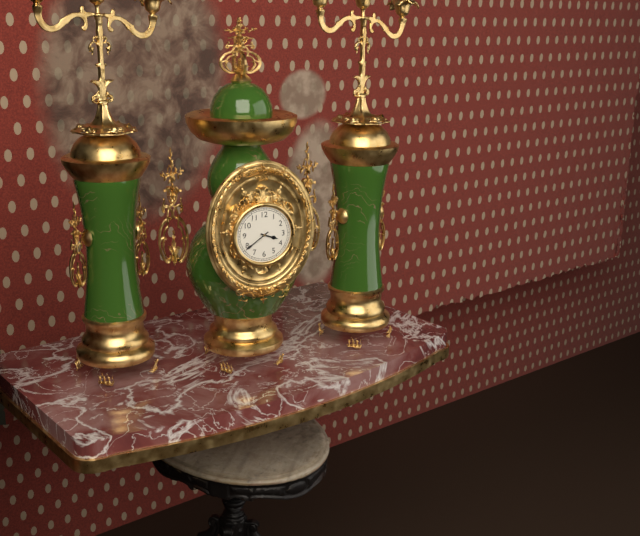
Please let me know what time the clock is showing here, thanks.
3:39
